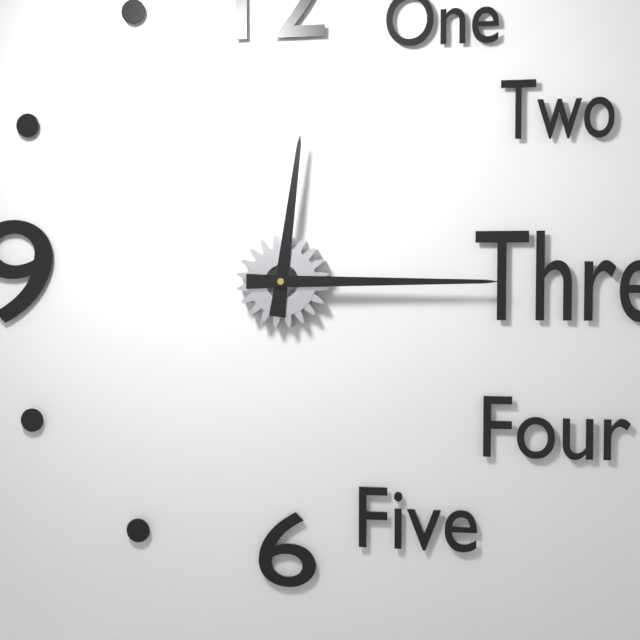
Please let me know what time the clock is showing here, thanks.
12:15
